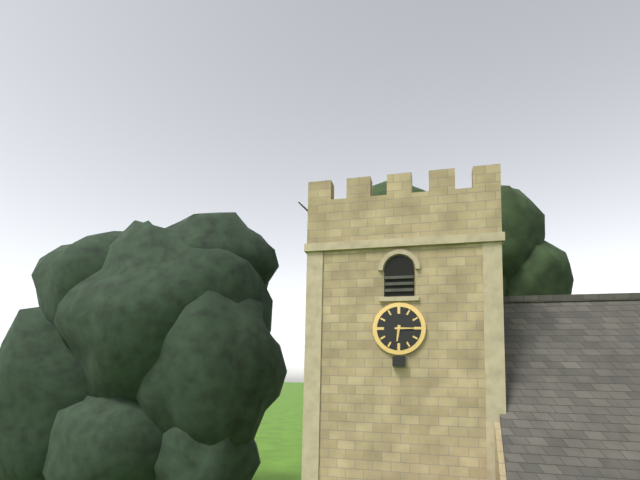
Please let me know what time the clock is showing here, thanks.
6:15
